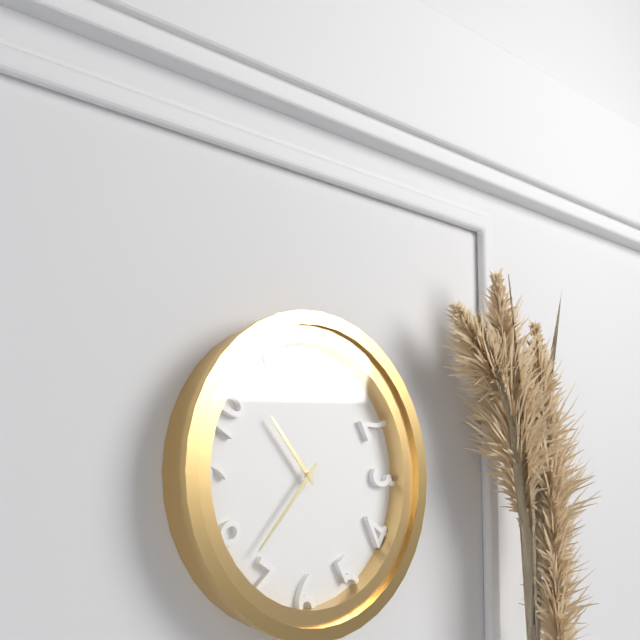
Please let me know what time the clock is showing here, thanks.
10:37
